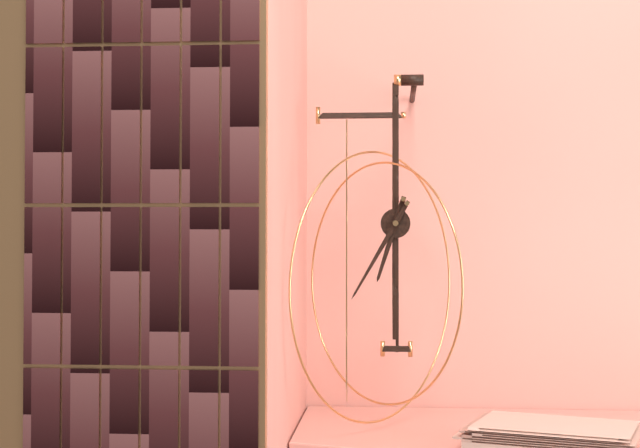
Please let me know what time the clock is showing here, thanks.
6:35
